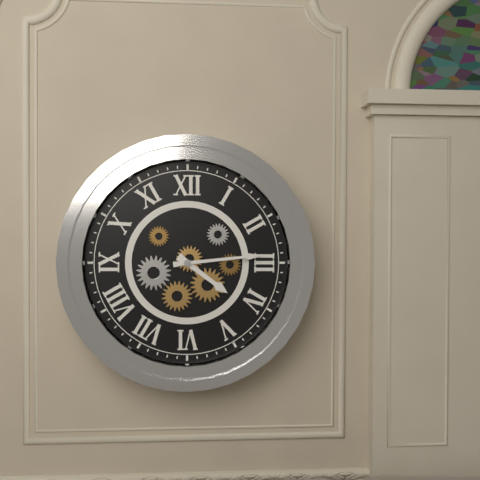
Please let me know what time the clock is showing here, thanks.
4:14
